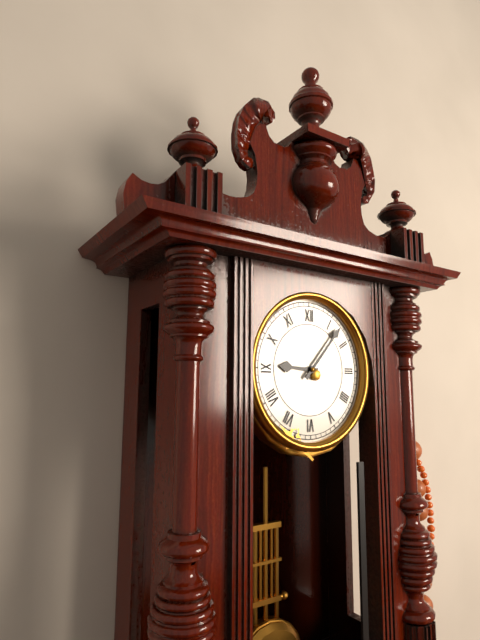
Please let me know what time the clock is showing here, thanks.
9:07
